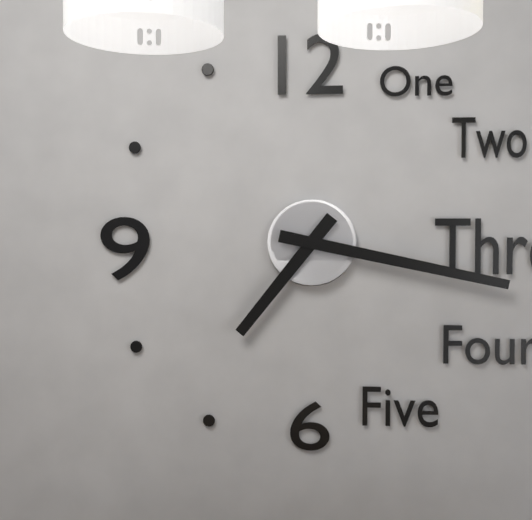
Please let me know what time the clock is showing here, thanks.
7:17
